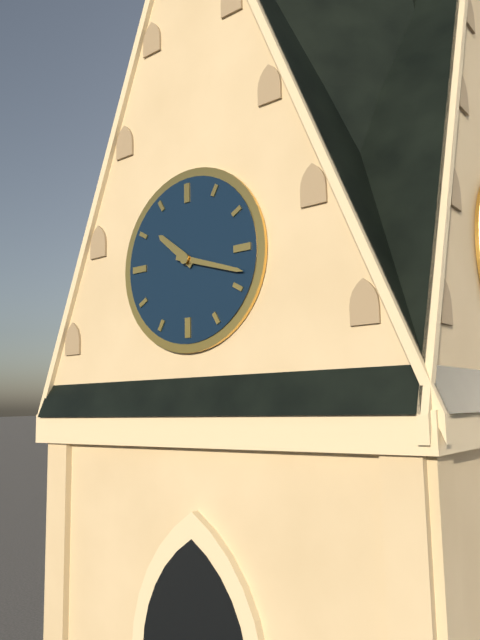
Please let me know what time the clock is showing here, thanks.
10:18
